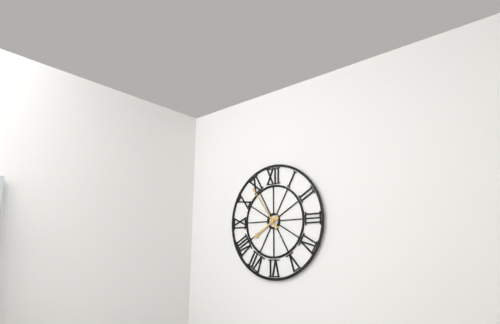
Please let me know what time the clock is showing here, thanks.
7:54
